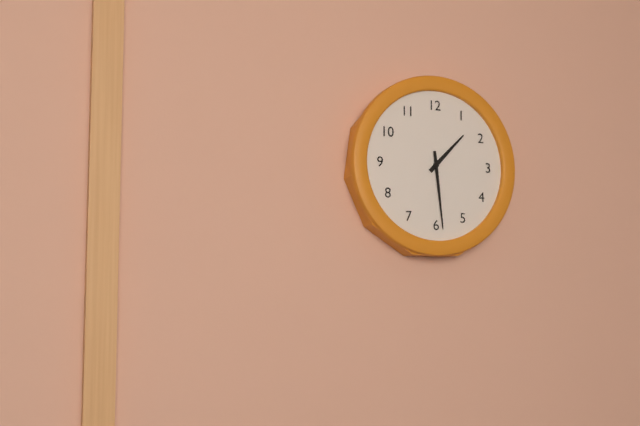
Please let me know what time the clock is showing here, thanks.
1:29
